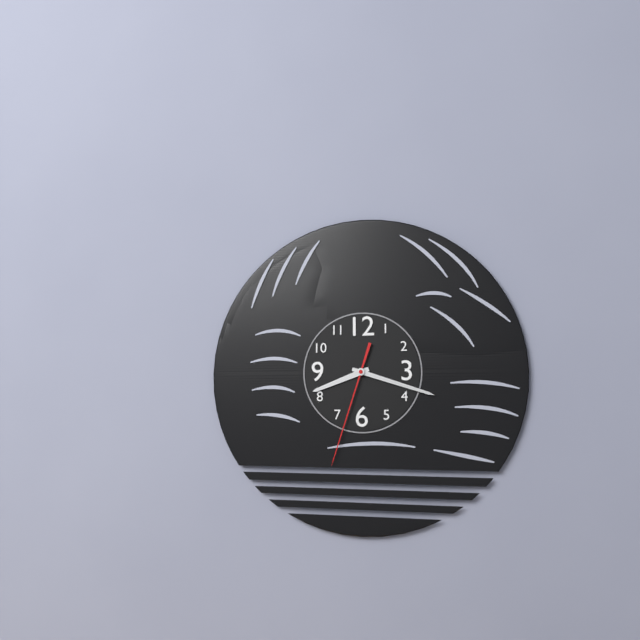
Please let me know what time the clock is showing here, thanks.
8:18:33
